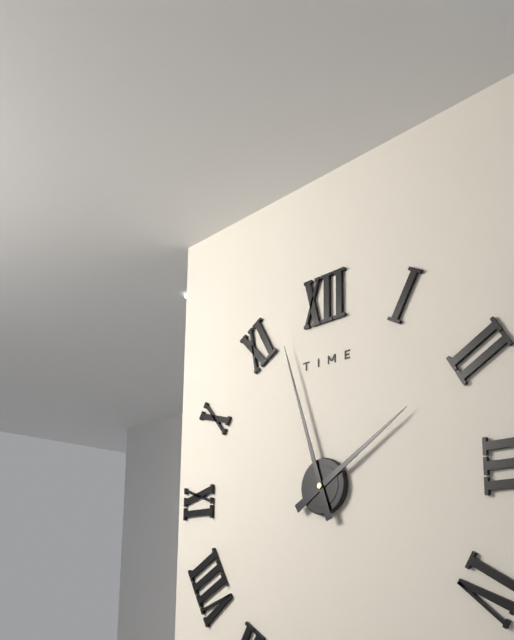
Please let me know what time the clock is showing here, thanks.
1:57
